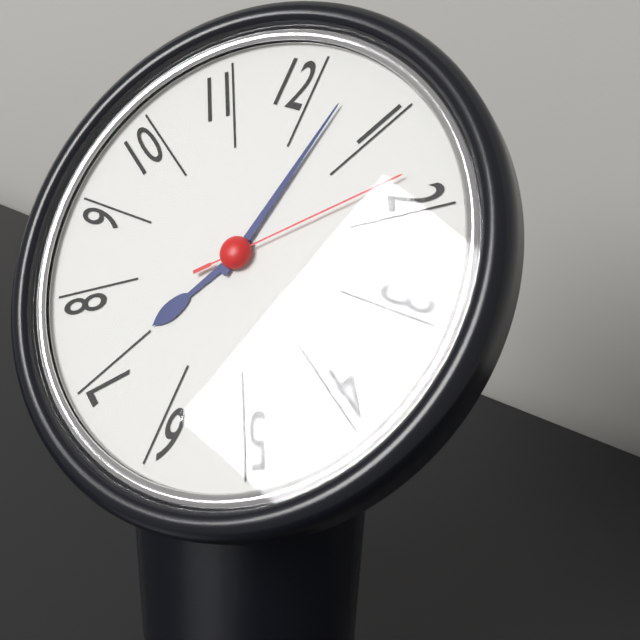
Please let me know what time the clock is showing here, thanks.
7:02:08
